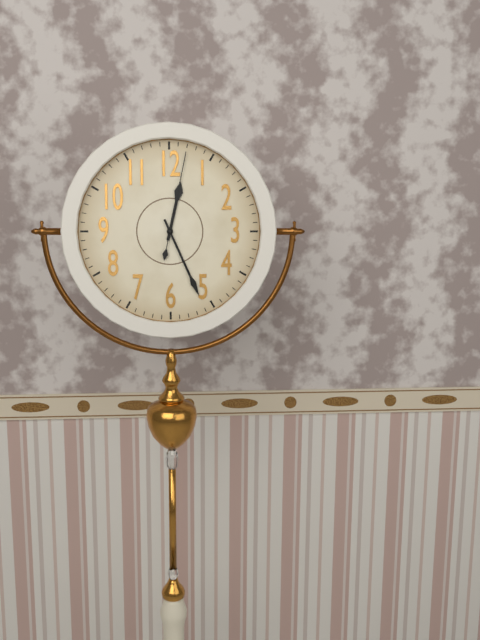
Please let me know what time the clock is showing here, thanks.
12:26:02
